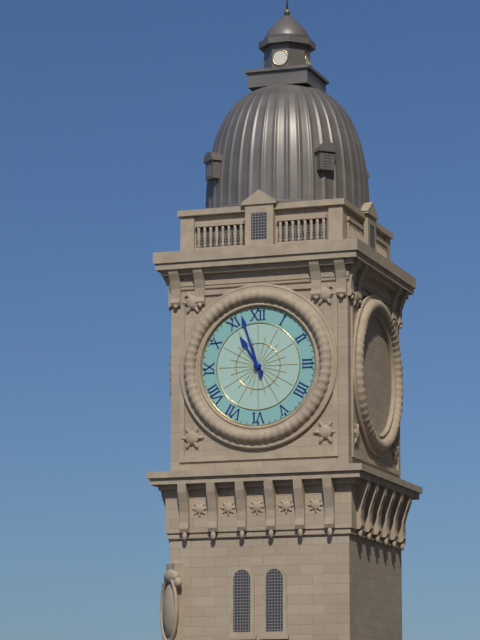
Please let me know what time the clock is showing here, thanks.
10:57
